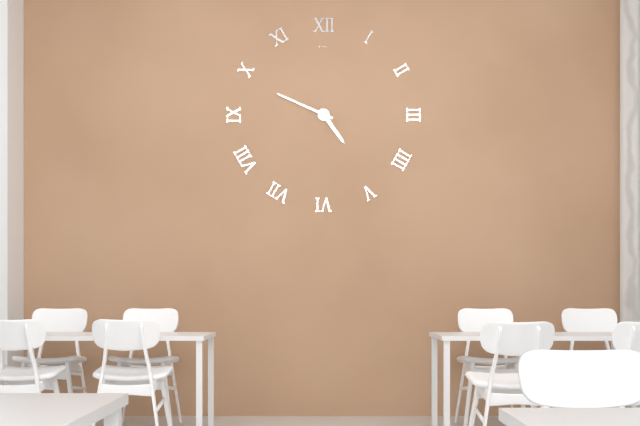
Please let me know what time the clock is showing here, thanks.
4:49
